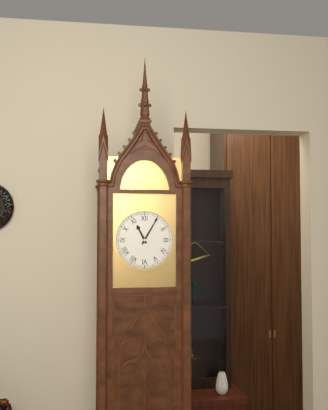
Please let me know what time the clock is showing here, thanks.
11:05
